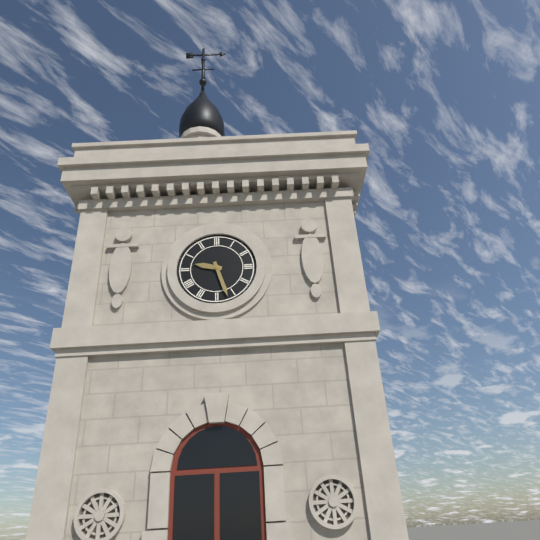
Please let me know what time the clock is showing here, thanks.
9:27
